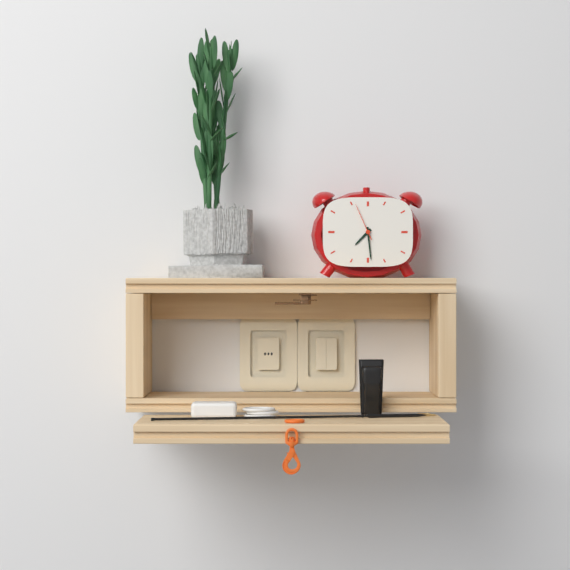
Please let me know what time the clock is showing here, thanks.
7:29
